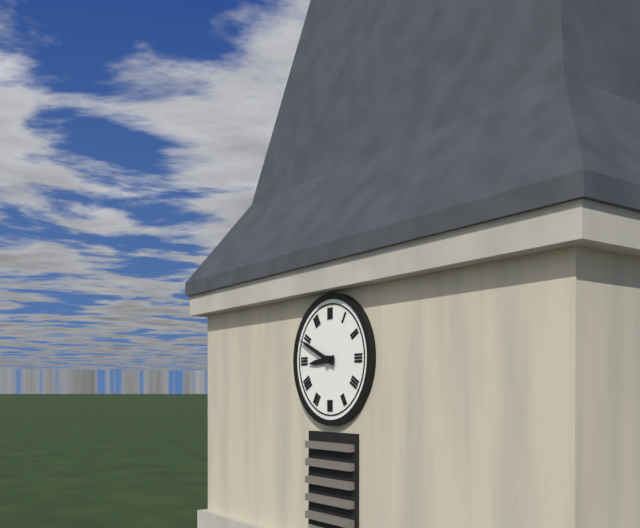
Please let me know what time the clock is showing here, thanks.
8:49
